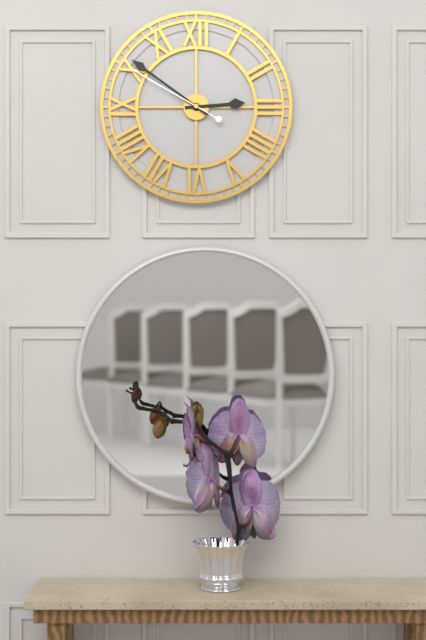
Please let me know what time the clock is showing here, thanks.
2:51:50
